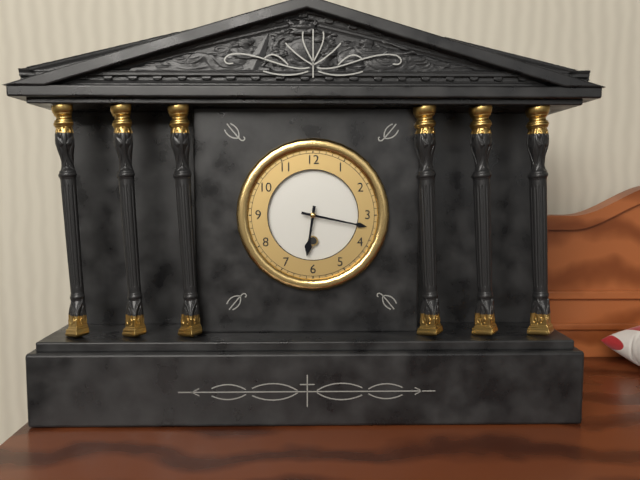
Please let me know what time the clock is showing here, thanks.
6:17
